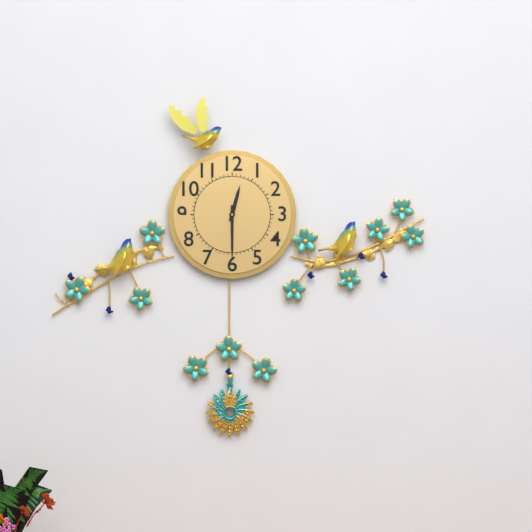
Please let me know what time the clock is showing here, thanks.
12:30
